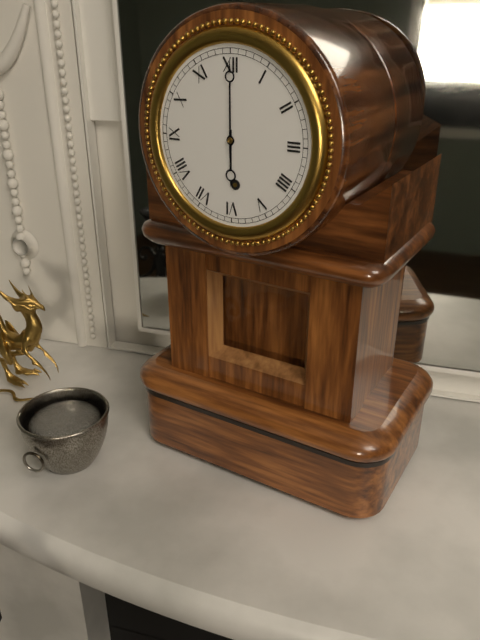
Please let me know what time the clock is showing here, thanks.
6:00
